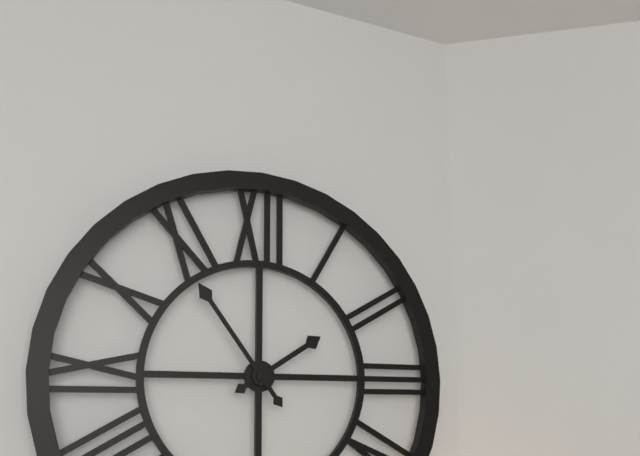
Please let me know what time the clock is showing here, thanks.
1:54
